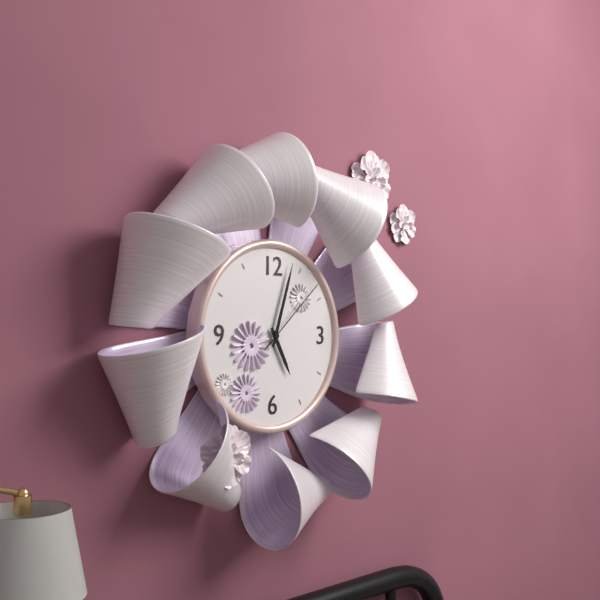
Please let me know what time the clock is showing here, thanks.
5:03:08
